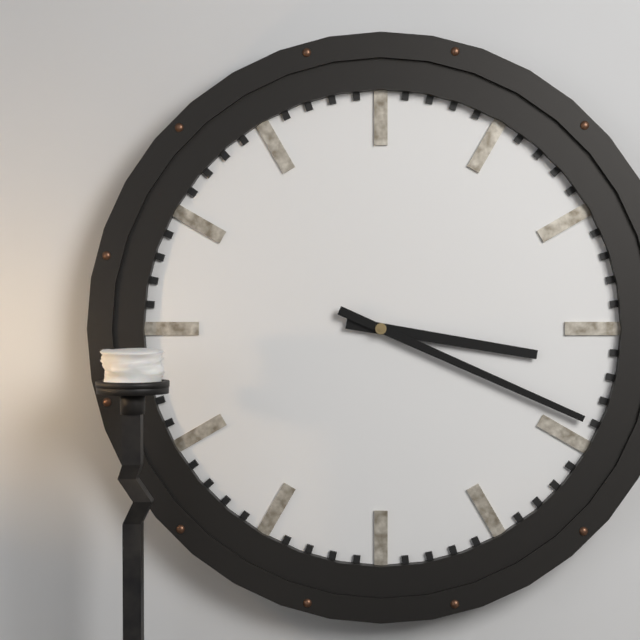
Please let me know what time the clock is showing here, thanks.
3:19
